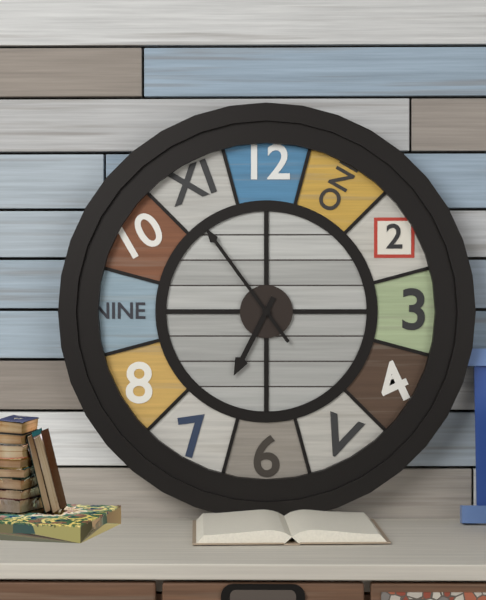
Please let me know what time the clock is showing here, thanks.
6:54
